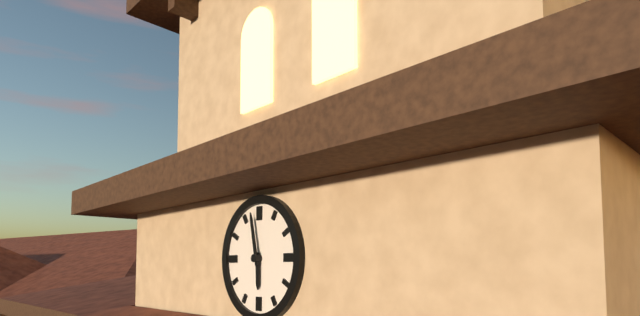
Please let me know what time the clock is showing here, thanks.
5:58
